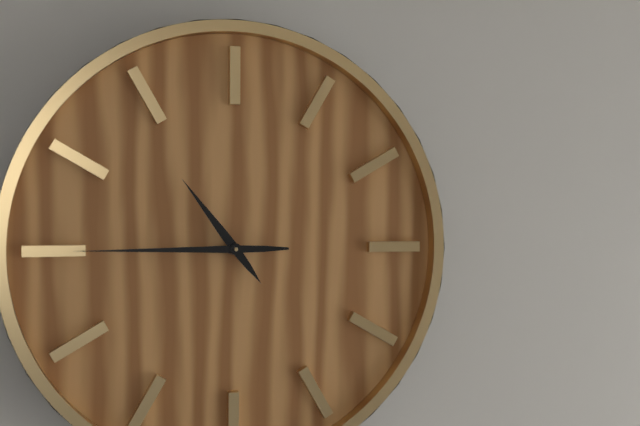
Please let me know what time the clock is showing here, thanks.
10:45
